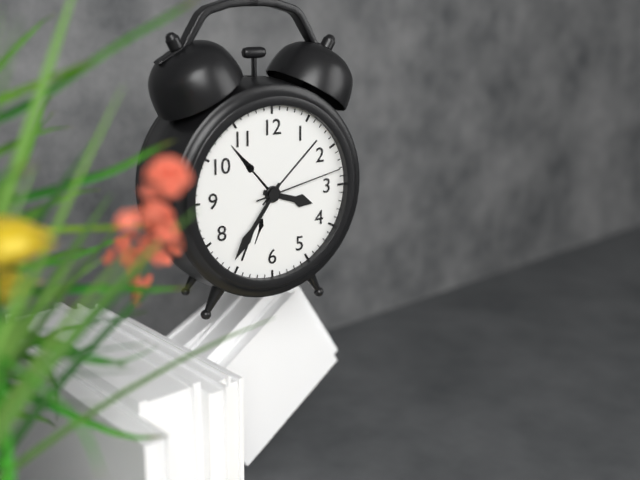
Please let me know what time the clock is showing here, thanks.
3:36:13
